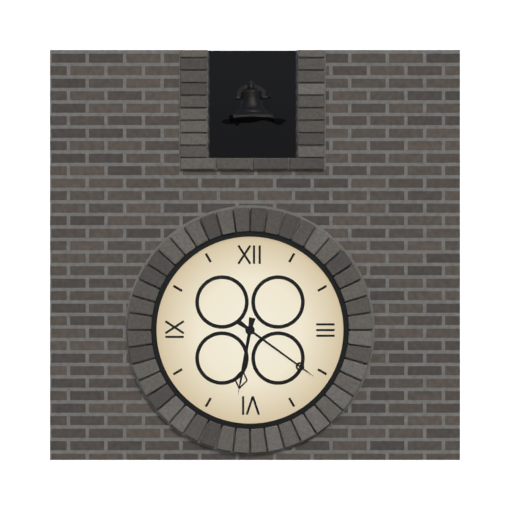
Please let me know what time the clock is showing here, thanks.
6:21
